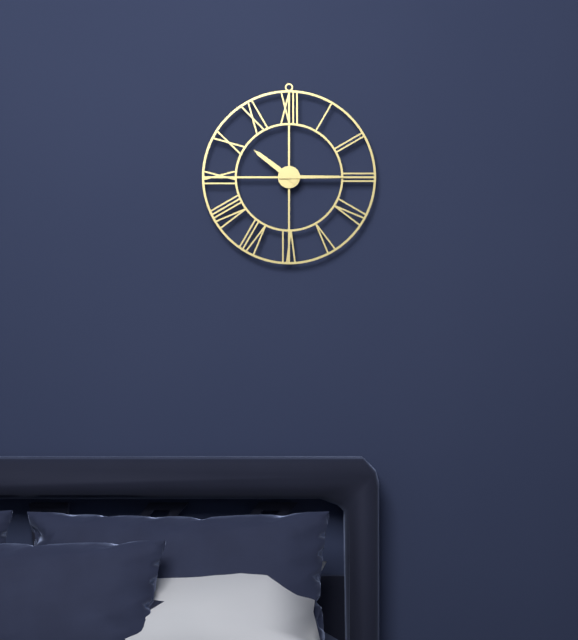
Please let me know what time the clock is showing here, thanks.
10:15
